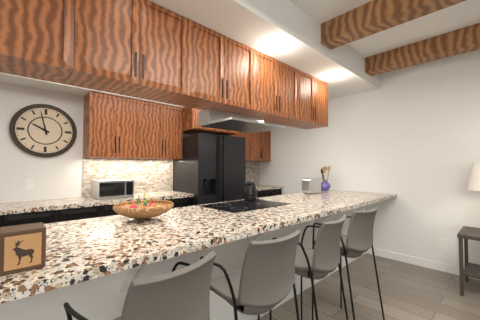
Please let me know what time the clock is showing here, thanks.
9:58
